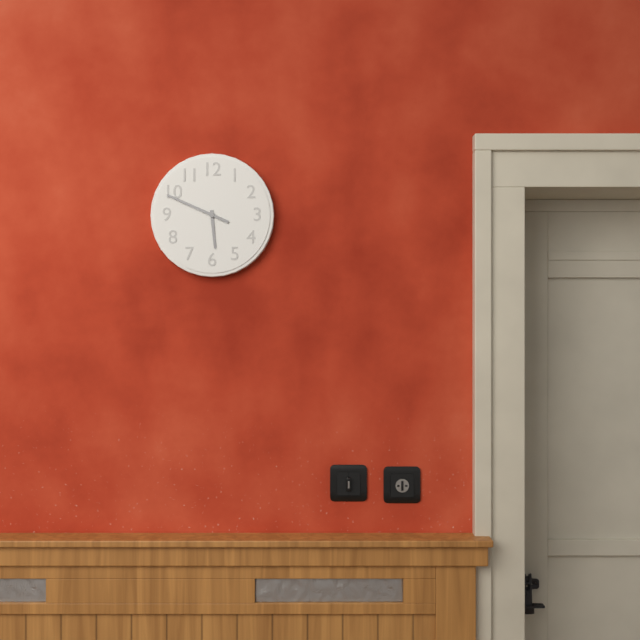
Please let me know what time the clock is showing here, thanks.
5:49
